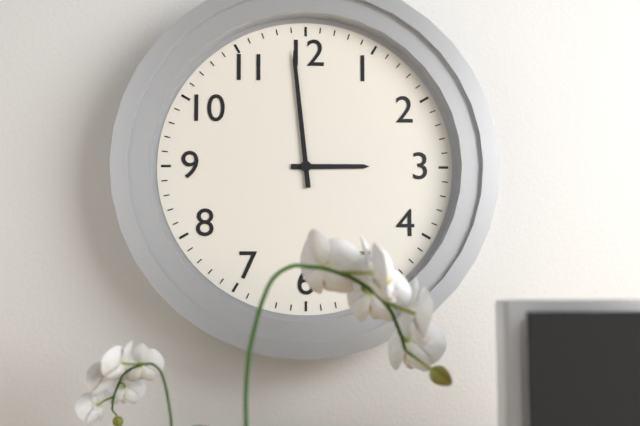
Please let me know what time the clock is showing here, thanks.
2:59
